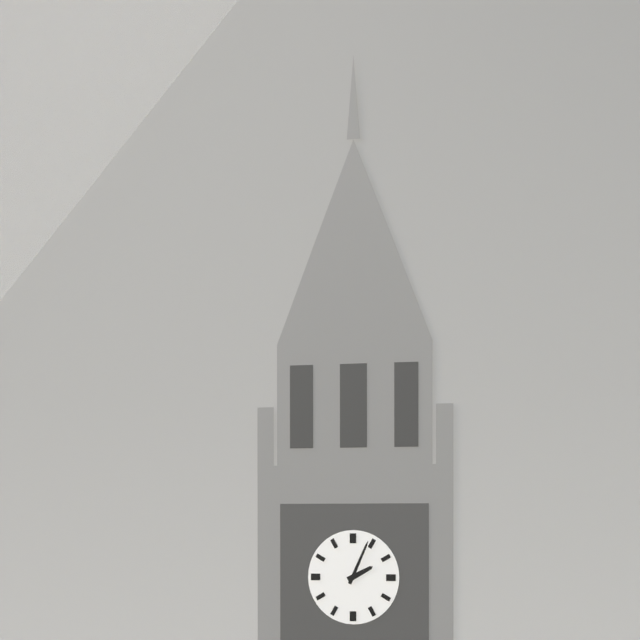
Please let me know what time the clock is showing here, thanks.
2:04
